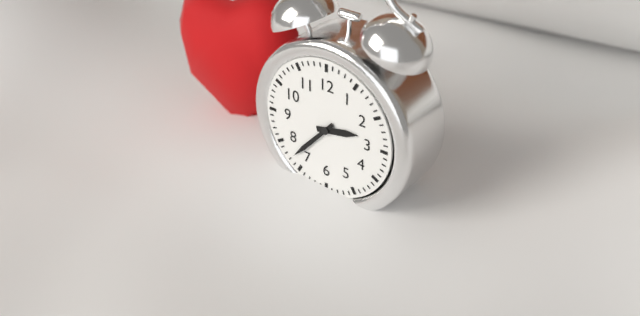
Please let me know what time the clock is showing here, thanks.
2:37
